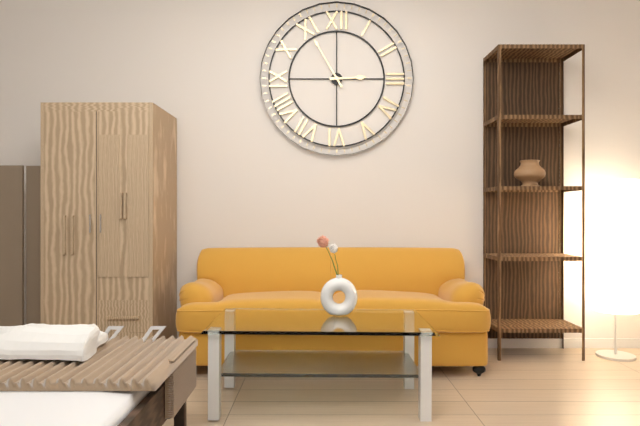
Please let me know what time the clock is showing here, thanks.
2:55
